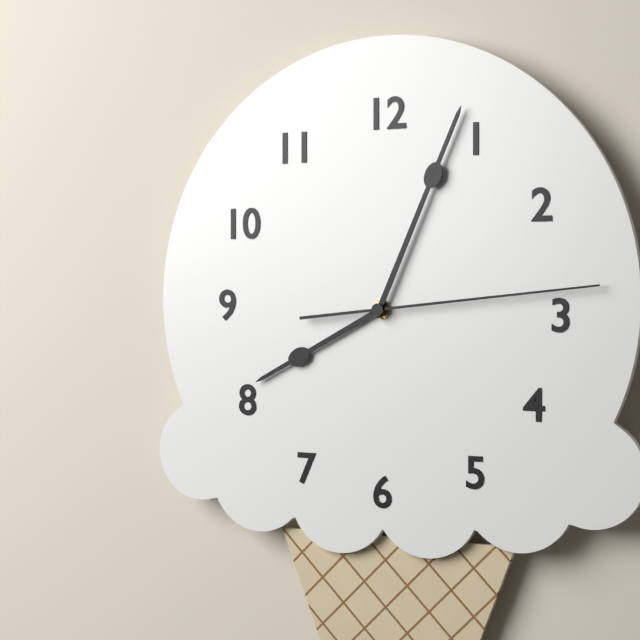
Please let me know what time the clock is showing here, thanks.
8:04:14
